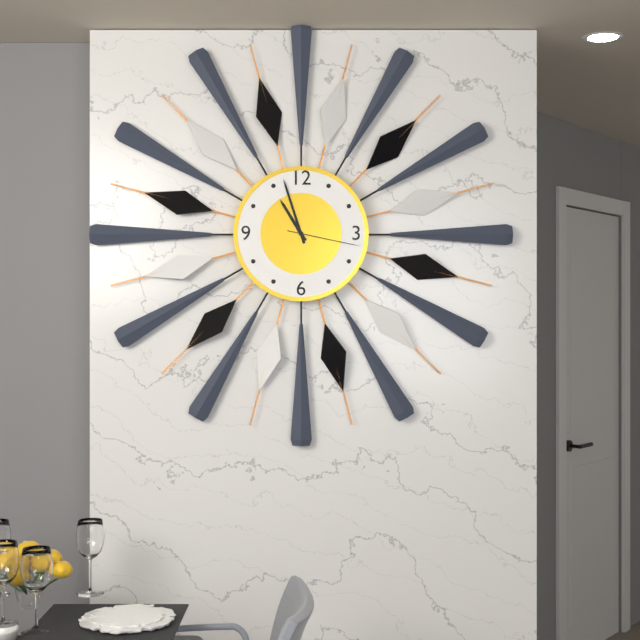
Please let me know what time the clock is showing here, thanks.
10:57:17
